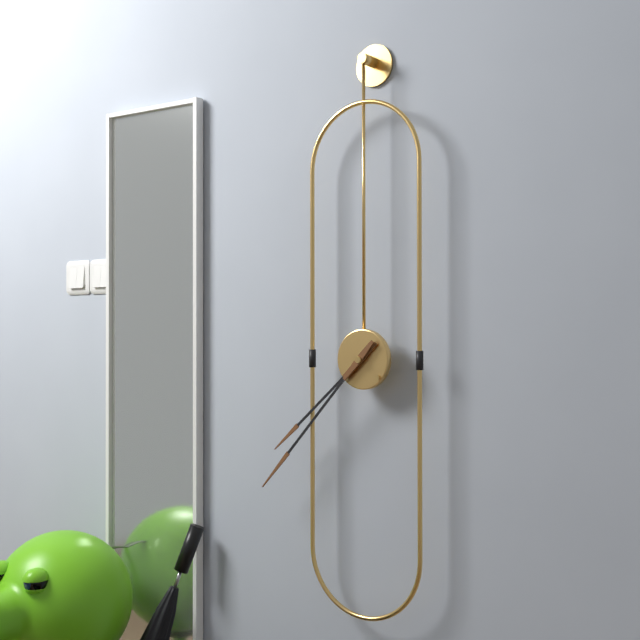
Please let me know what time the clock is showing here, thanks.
7:37
